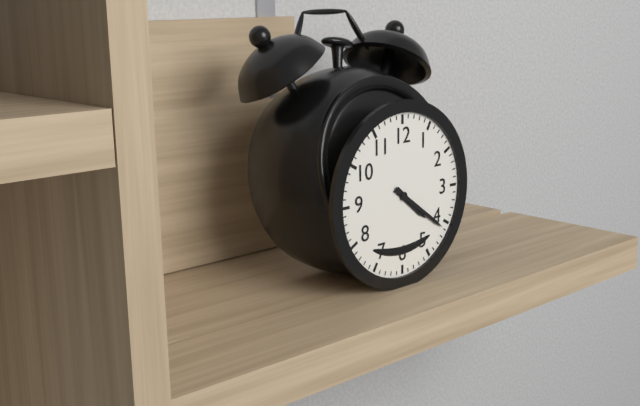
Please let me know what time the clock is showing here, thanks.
4:21
